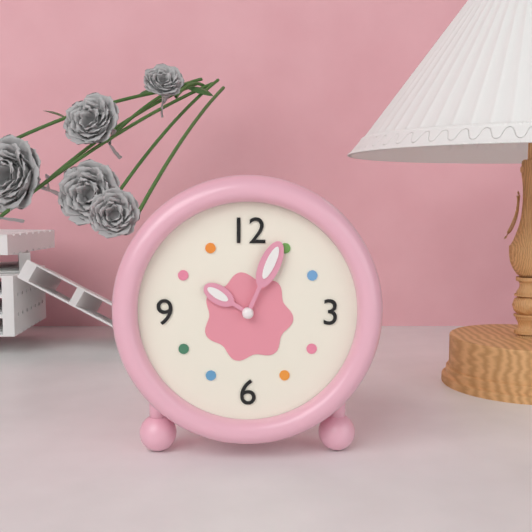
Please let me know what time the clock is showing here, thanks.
10:04
